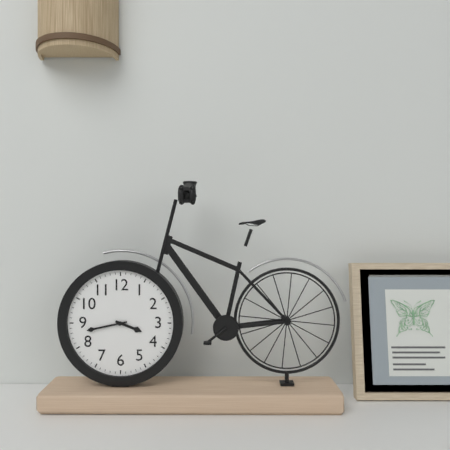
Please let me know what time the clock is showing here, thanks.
3:43
